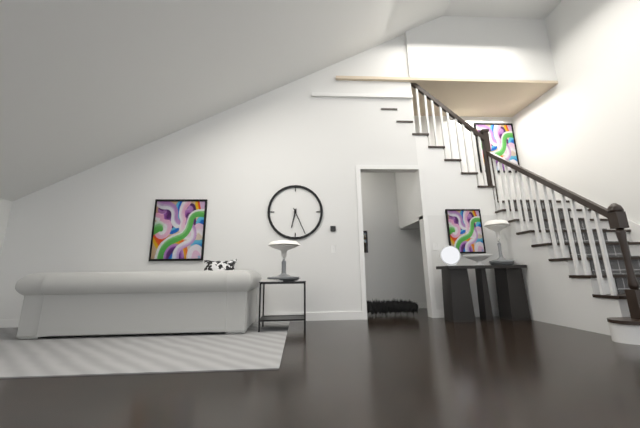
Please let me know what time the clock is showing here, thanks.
6:26
